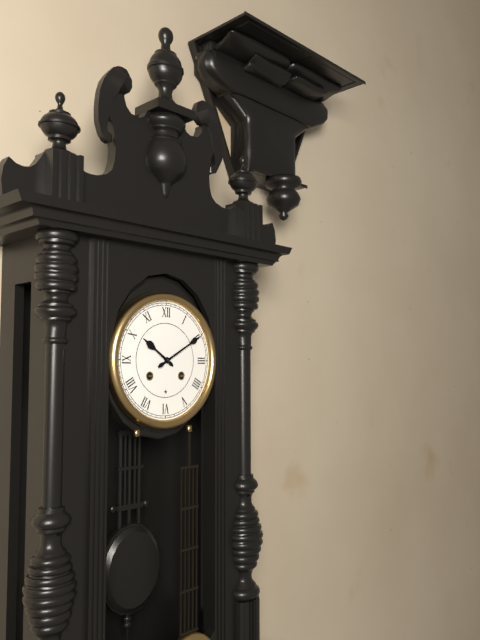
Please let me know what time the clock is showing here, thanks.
10:10
